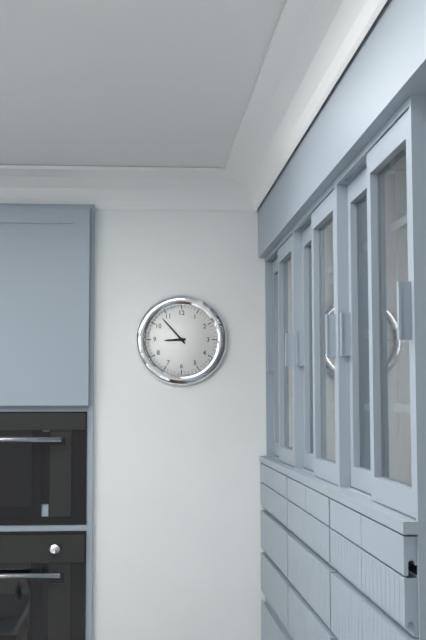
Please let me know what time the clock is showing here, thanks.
8:53
